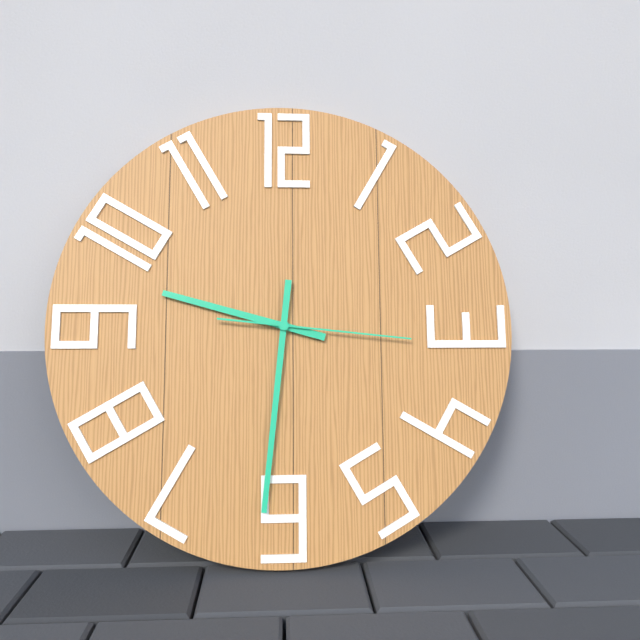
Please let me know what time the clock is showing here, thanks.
9:31:16
